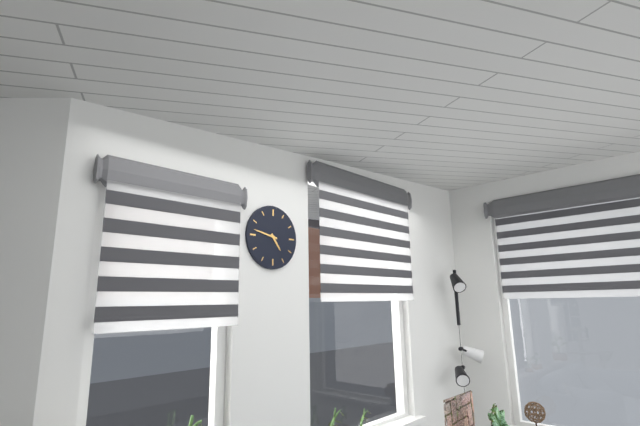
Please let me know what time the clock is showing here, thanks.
4:47
